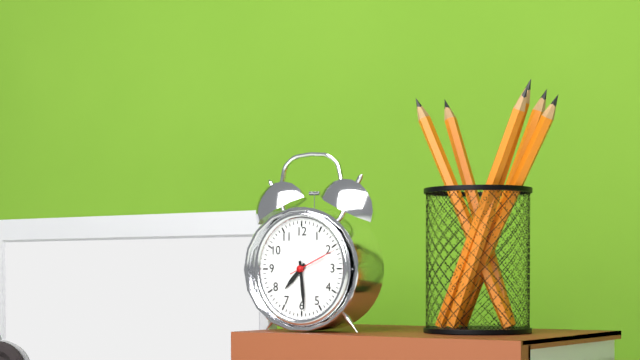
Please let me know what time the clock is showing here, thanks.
7:29
